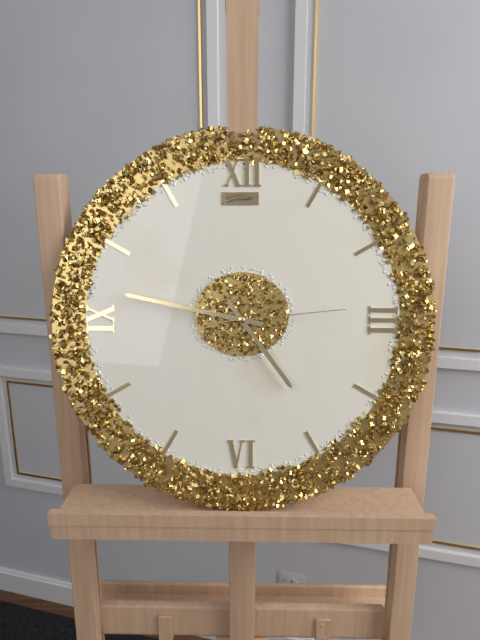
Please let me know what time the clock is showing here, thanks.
4:47:14
